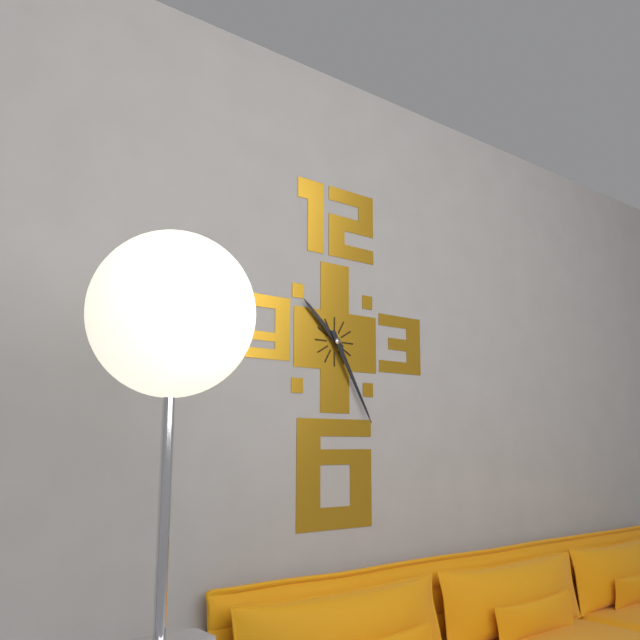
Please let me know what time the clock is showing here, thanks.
10:25
